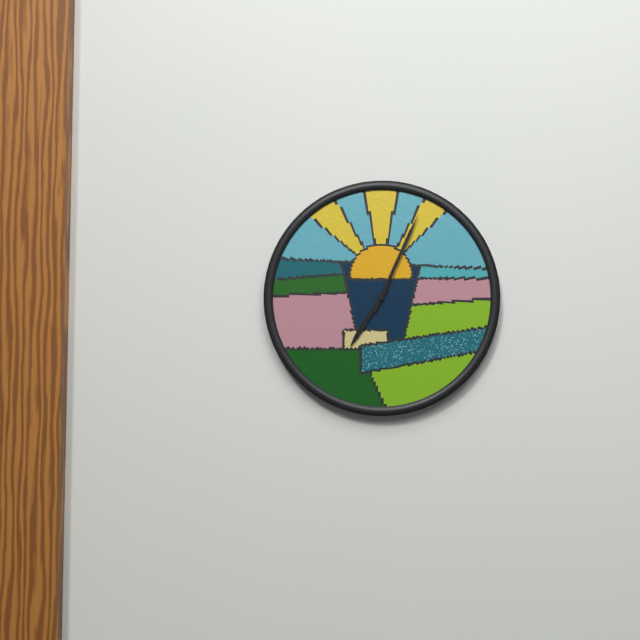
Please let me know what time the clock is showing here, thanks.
7:04
